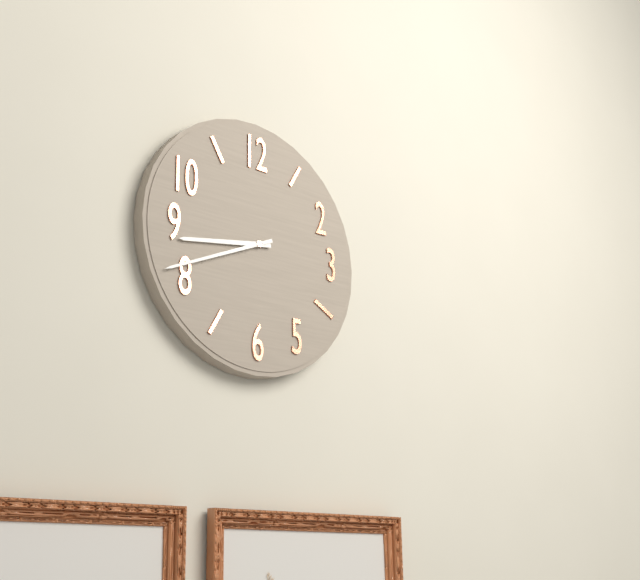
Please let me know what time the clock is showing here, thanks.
8:41
